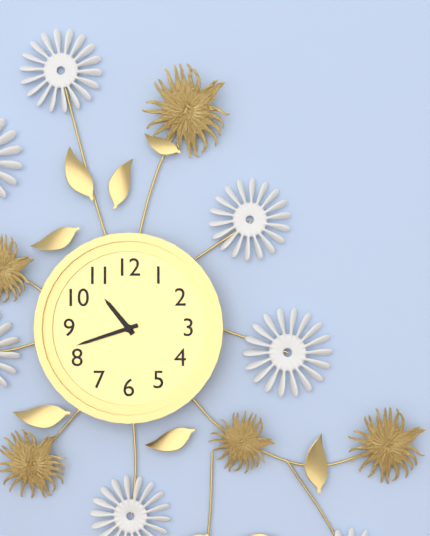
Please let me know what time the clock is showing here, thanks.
10:42
